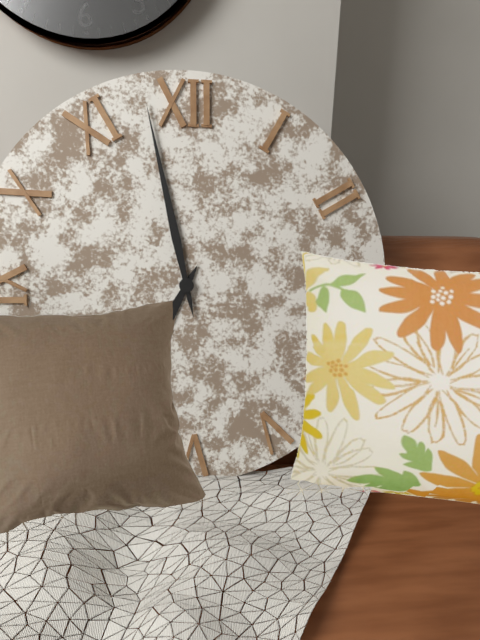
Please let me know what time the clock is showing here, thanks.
6:58
